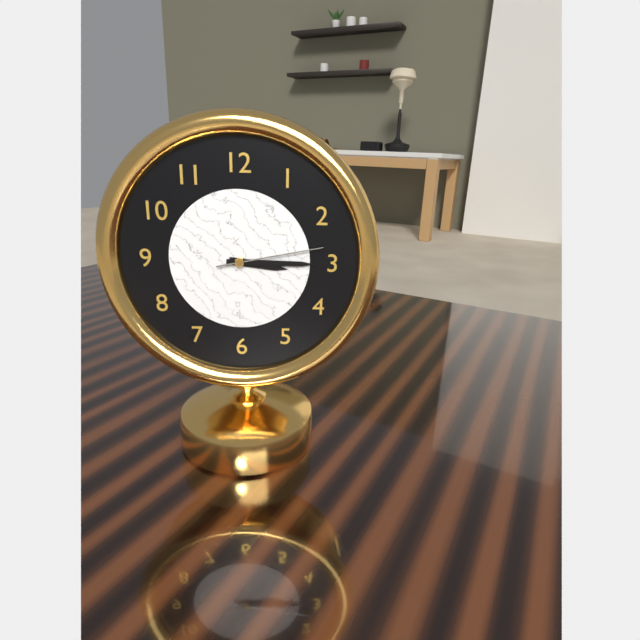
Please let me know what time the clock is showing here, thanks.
3:15:13
